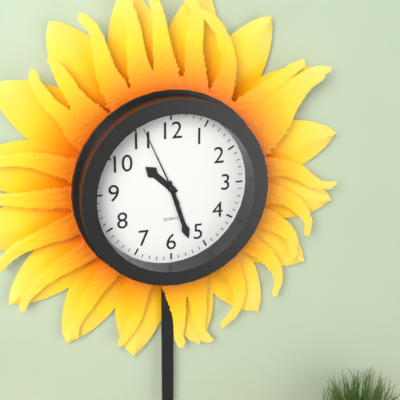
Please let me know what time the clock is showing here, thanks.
10:27:56
